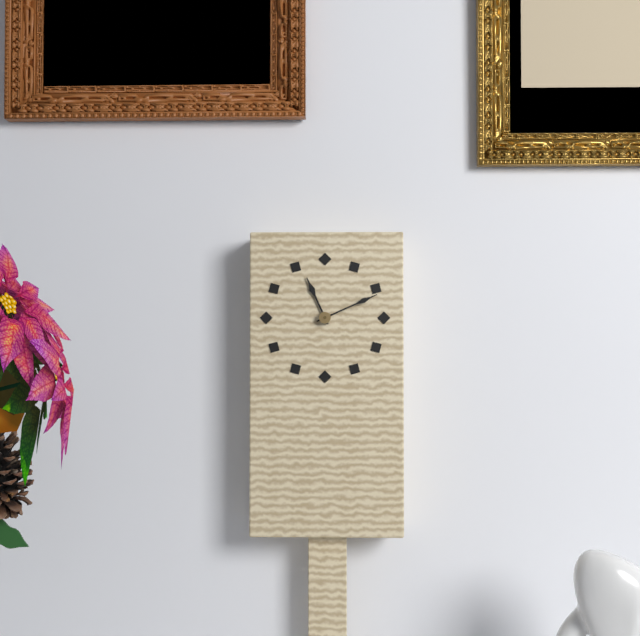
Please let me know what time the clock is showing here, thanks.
11:11
